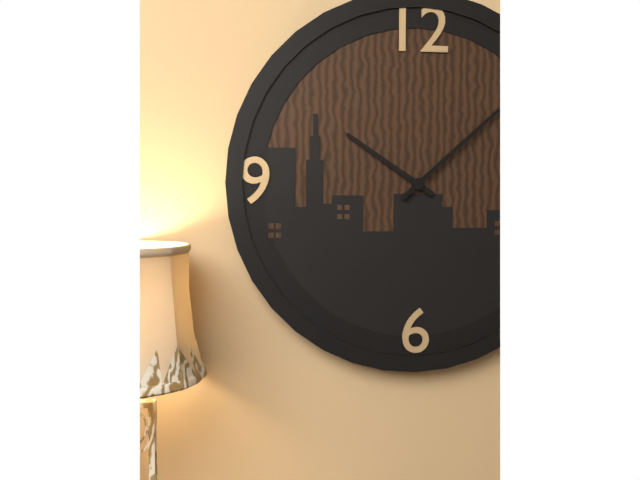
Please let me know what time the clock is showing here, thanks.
10:08
